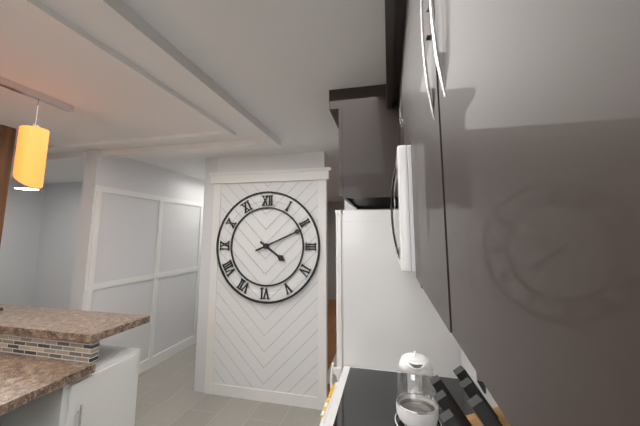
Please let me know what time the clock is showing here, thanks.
4:11
